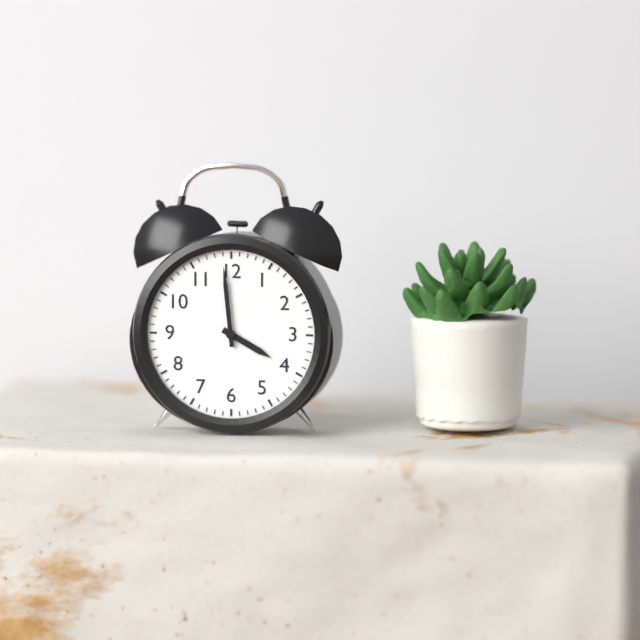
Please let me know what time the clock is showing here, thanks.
3:59
